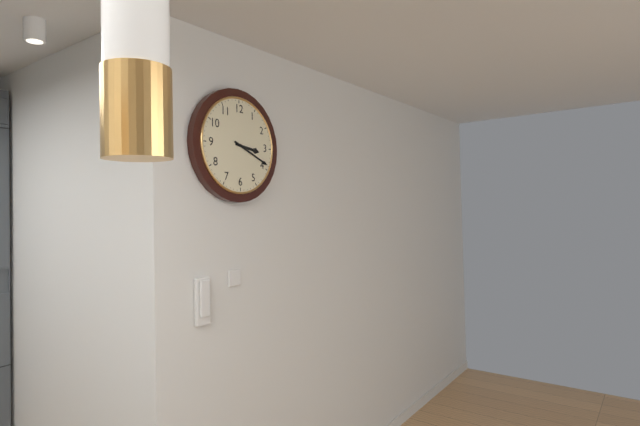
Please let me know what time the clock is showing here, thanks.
3:19
